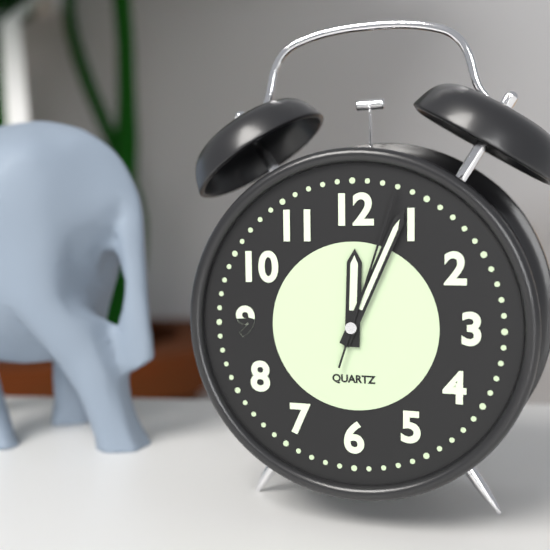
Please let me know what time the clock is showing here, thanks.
12:04:03
